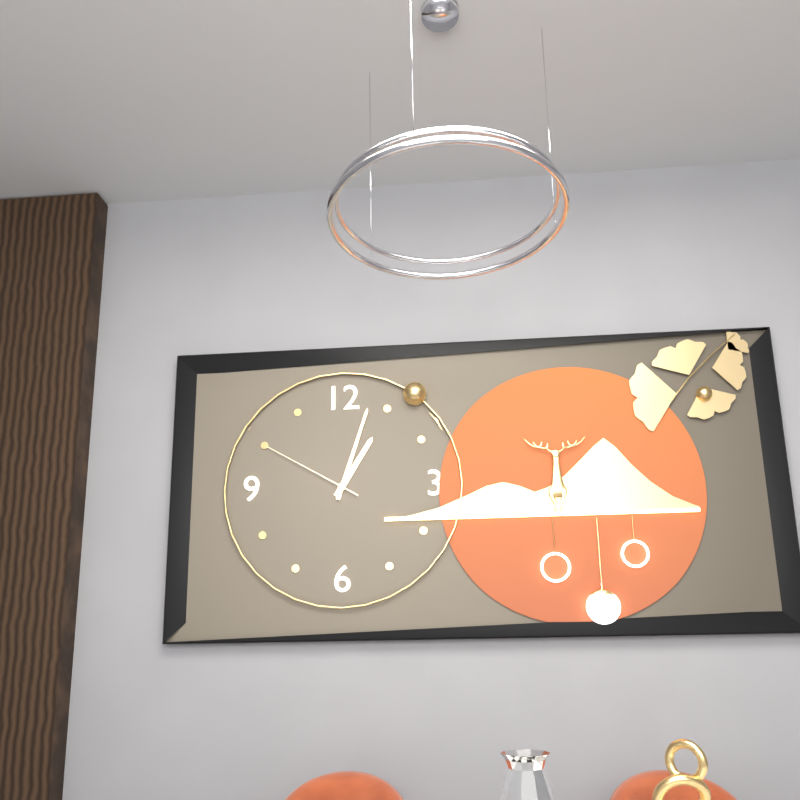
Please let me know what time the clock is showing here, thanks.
1:03:50
